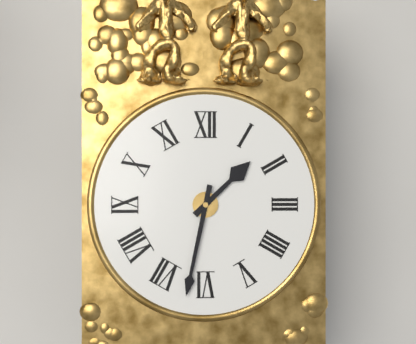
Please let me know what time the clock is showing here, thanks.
1:32
